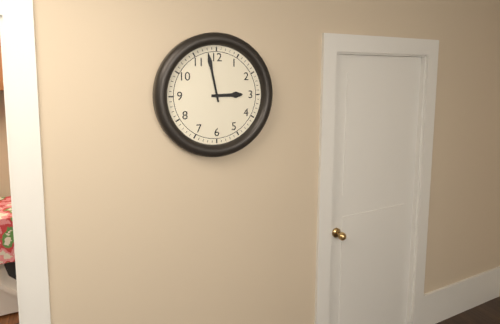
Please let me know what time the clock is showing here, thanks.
2:58
